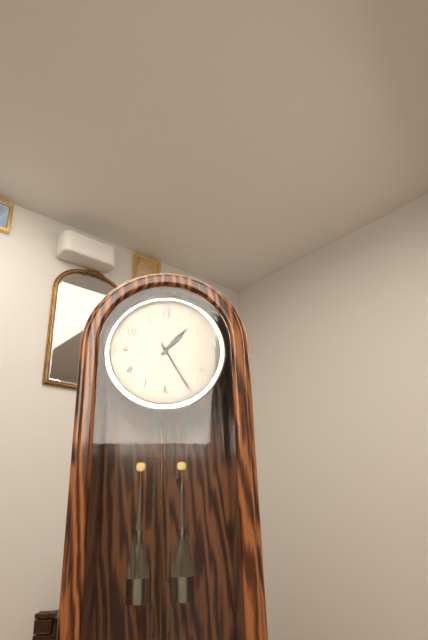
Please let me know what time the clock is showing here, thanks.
1:25
